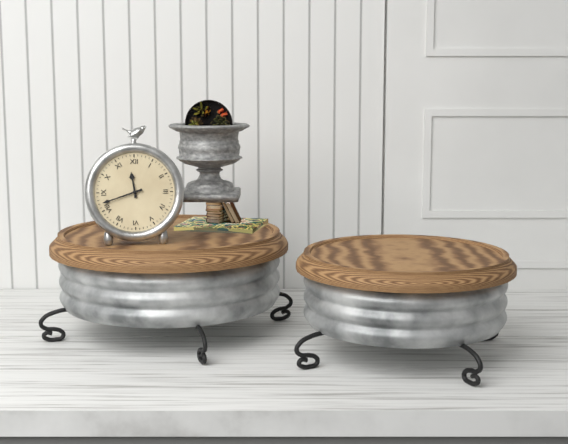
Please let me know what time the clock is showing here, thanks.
11:42
